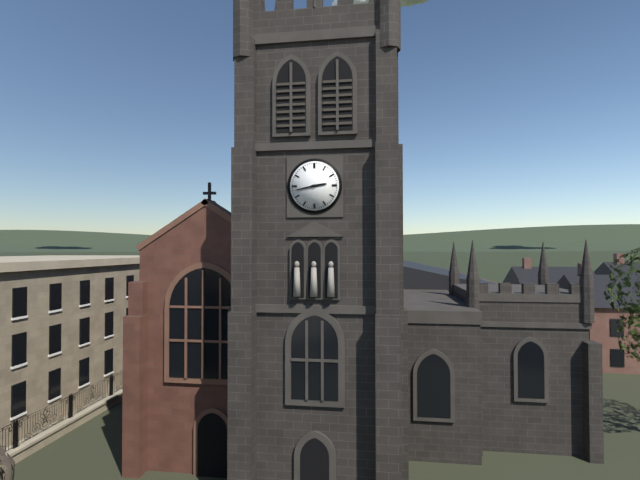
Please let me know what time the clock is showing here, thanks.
2:43
